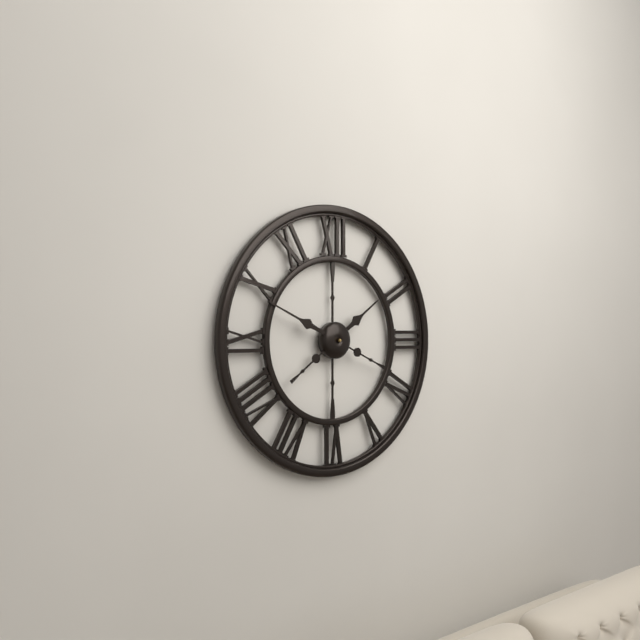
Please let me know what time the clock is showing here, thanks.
1:49
